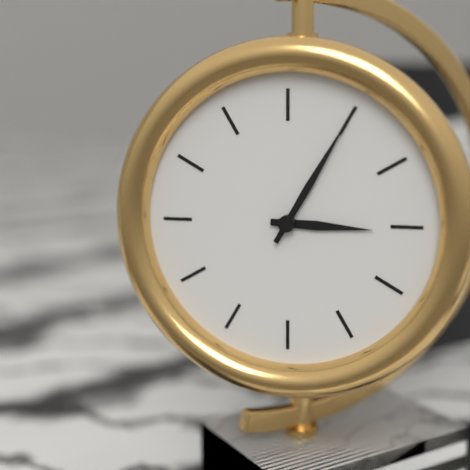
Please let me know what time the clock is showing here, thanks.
3:05
